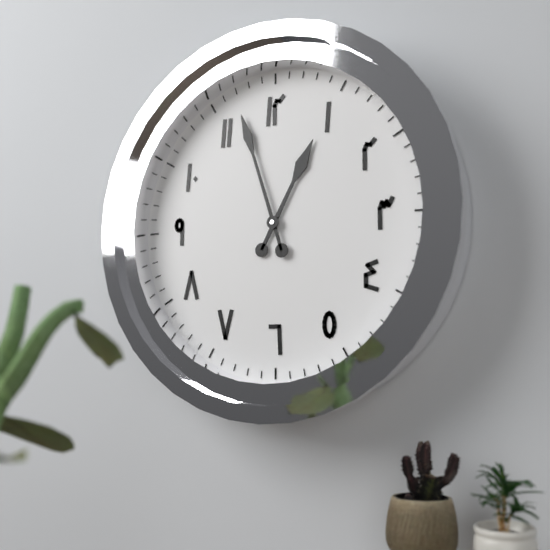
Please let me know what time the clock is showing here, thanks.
12:57
